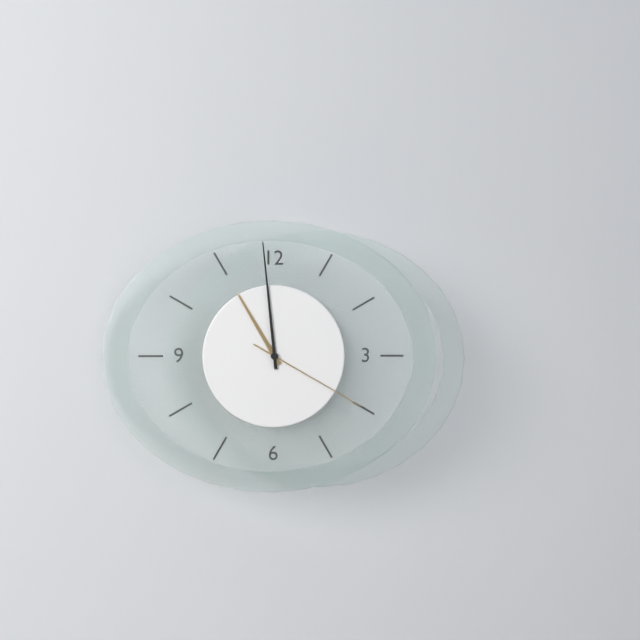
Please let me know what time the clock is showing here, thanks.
10:59:20
